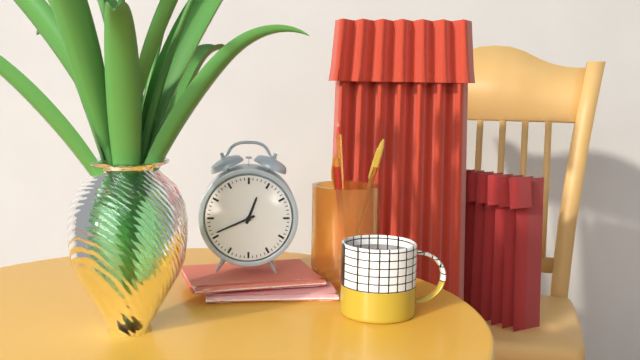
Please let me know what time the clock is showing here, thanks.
12:41
